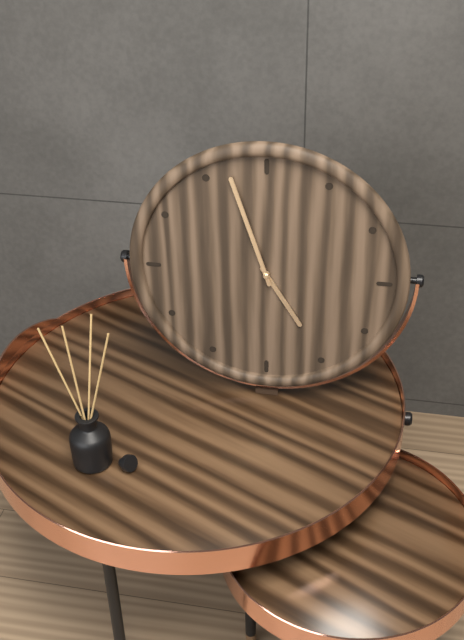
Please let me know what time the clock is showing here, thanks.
4:57
